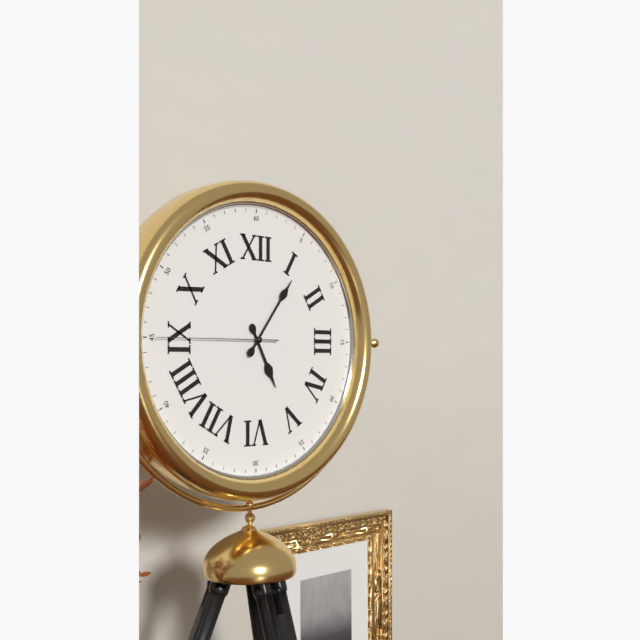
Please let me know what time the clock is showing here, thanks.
5:06:45
